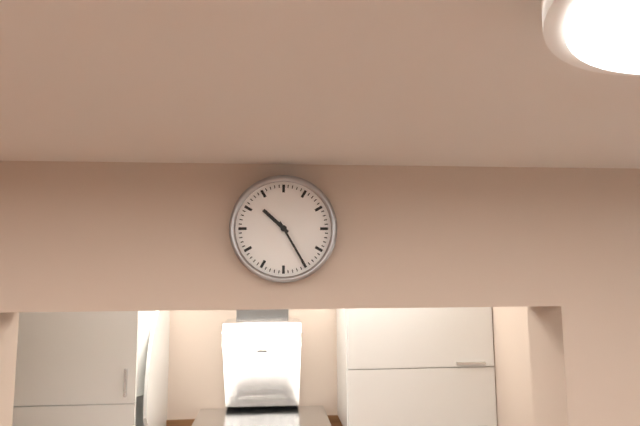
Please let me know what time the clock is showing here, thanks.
10:25
